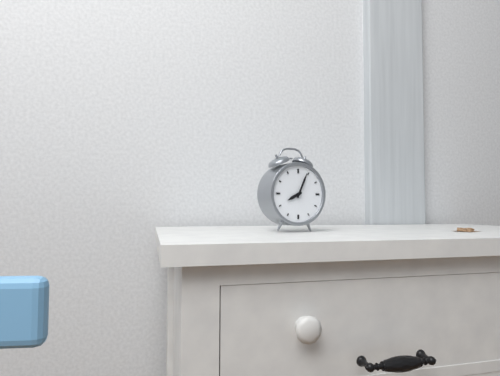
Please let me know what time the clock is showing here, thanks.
8:04
